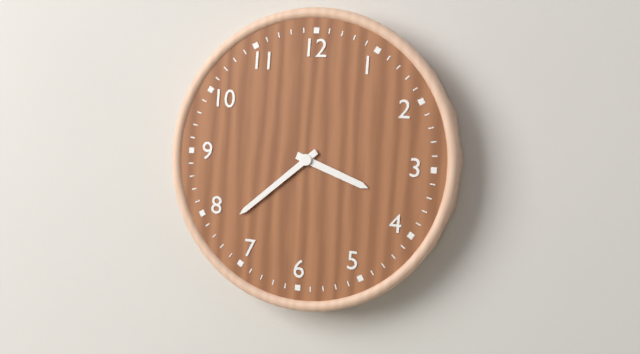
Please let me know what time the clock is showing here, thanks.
3:38
